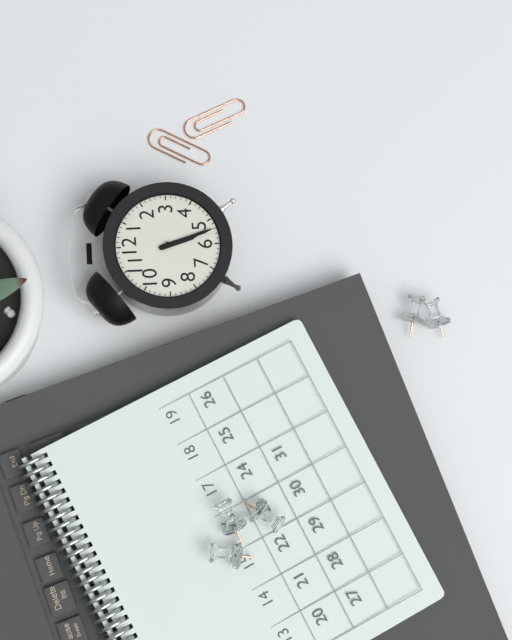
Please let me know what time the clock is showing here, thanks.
5:27
